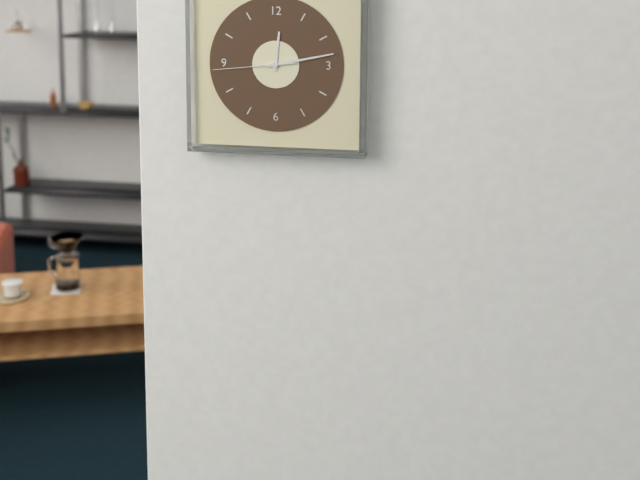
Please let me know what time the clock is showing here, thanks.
12:13:44
